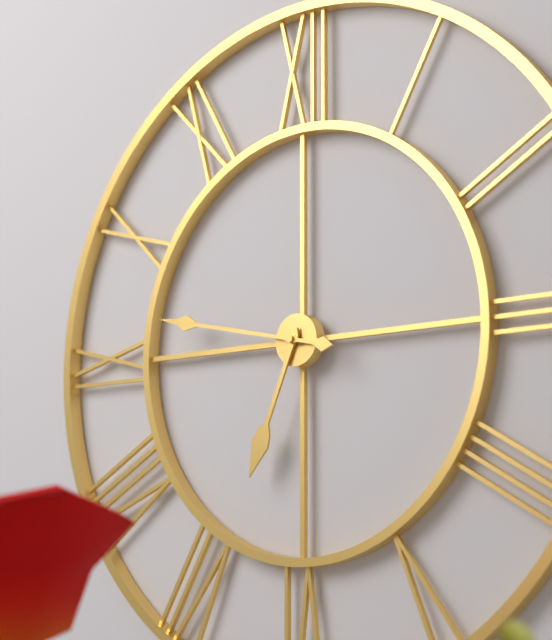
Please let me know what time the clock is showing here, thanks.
6:47
